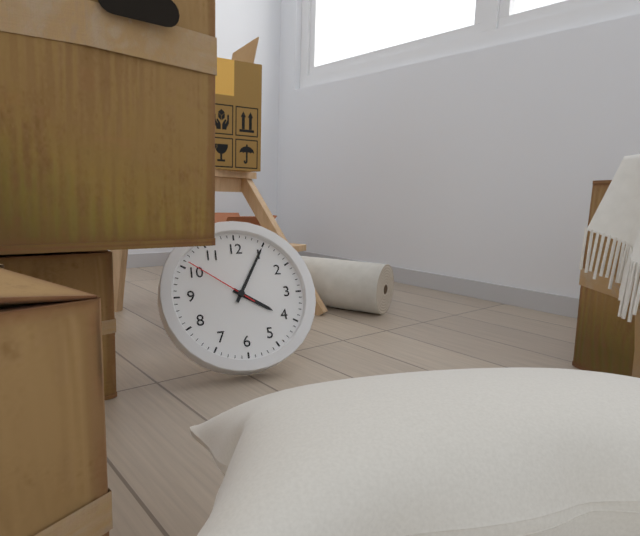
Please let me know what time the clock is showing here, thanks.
4:05:51
